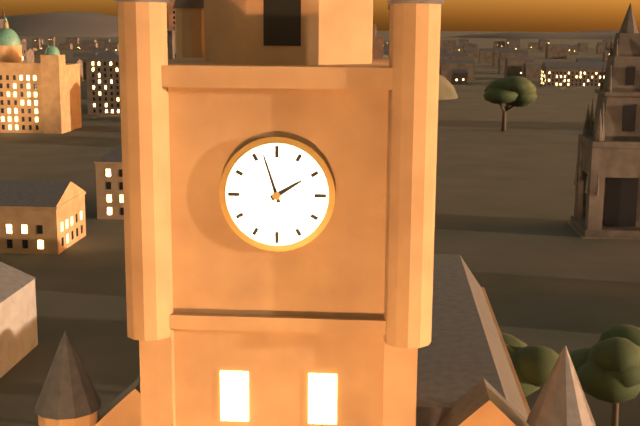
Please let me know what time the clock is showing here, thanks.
1:57
